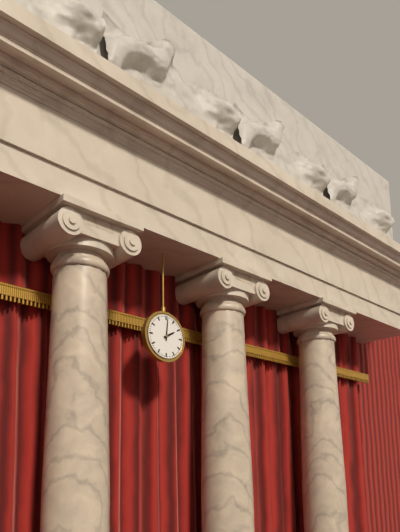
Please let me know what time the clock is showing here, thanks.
2:01
